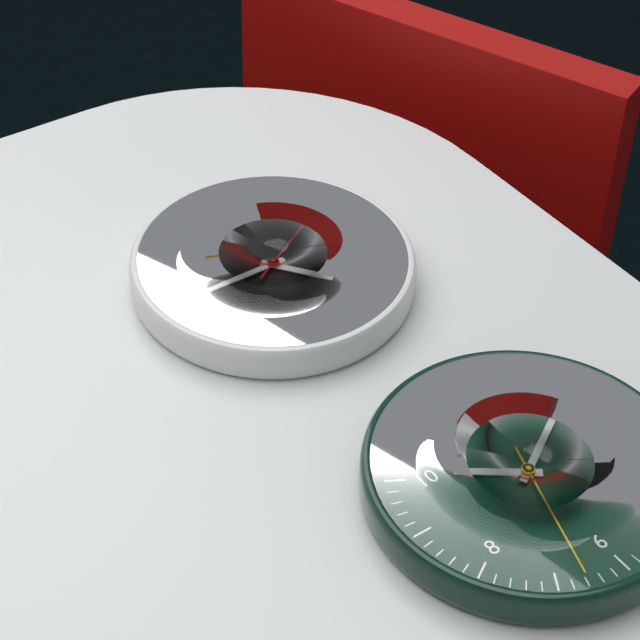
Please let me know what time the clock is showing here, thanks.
4:45:10
